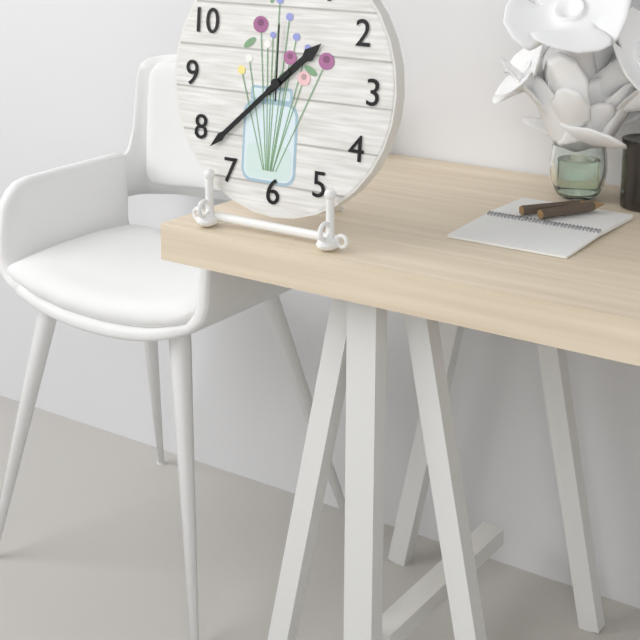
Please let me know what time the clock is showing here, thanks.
1:38:00
